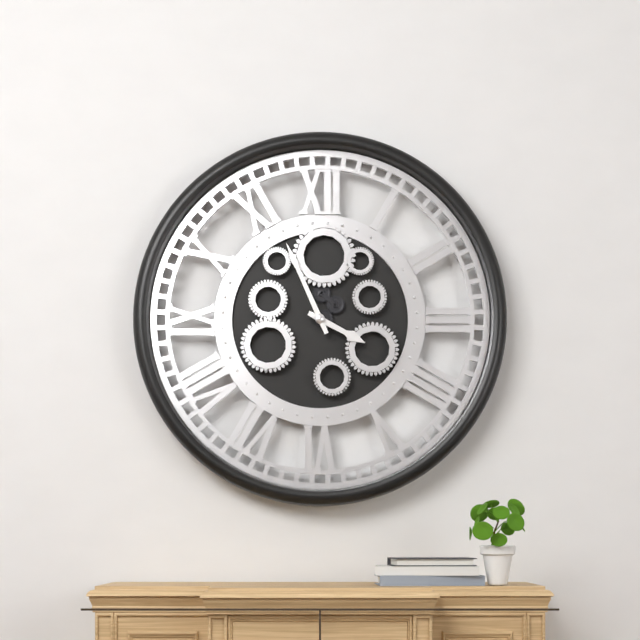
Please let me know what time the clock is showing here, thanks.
3:56
